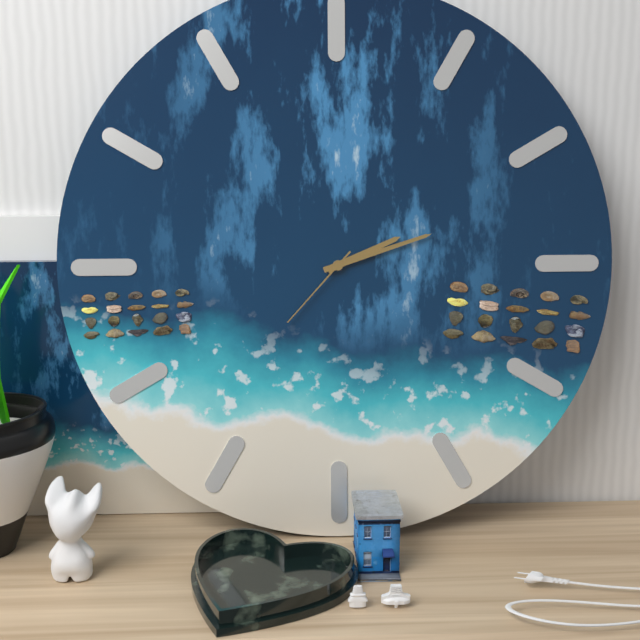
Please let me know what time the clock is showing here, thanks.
2:12:37
